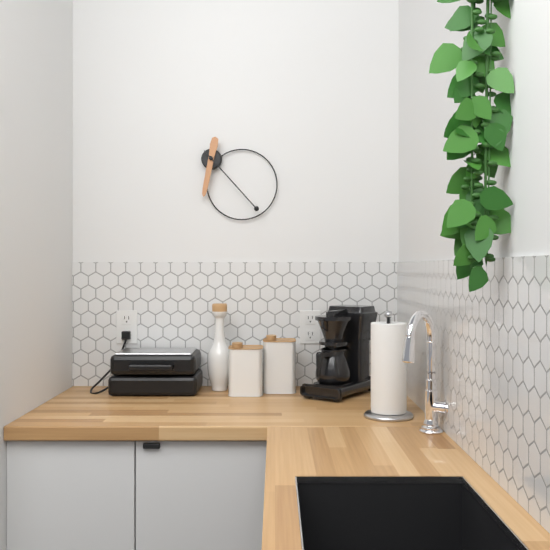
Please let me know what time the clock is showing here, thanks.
6:23
